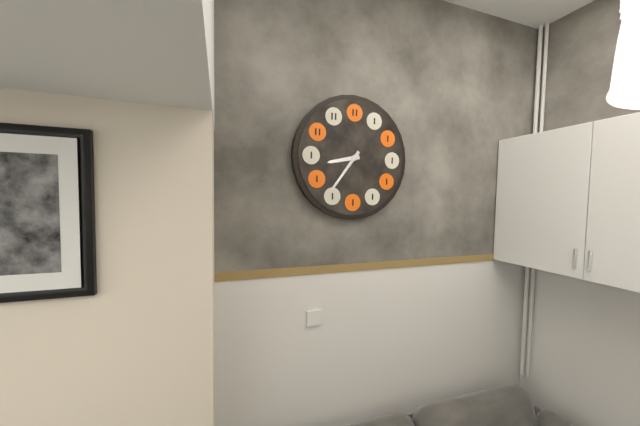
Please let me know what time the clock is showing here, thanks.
8:36
